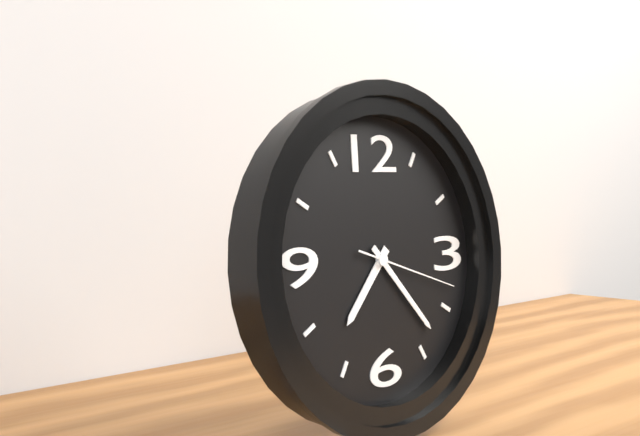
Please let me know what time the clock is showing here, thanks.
7:23:18
